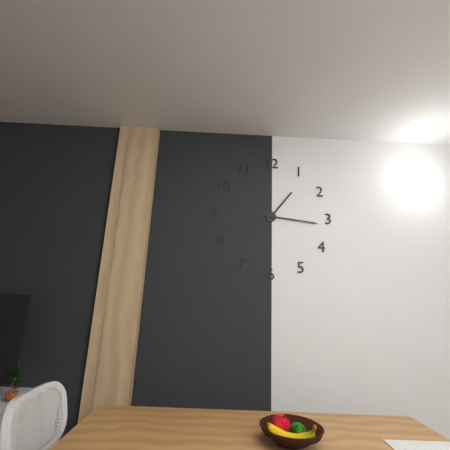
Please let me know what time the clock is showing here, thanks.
1:16
